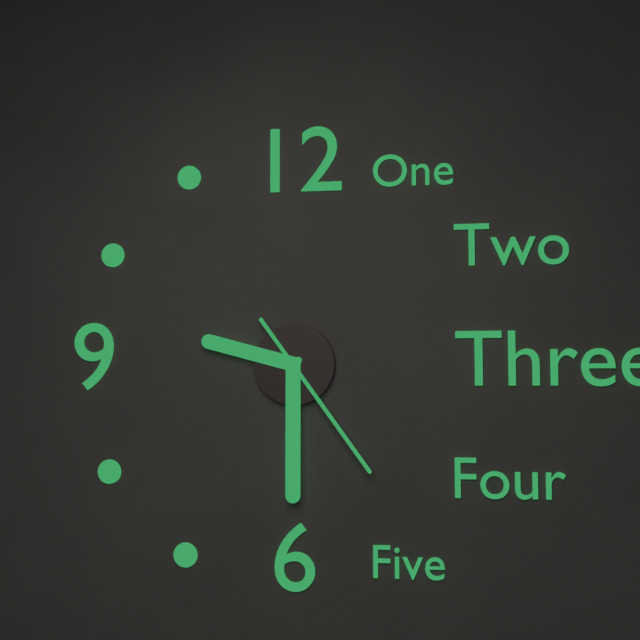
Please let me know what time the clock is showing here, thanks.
9:30:24
